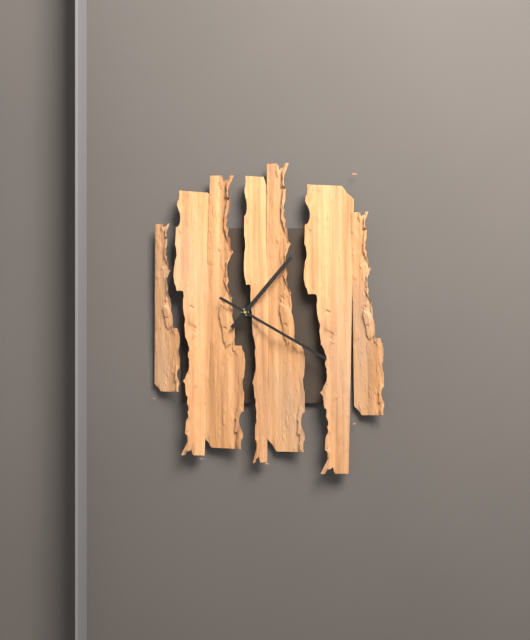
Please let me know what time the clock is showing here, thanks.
1:20
